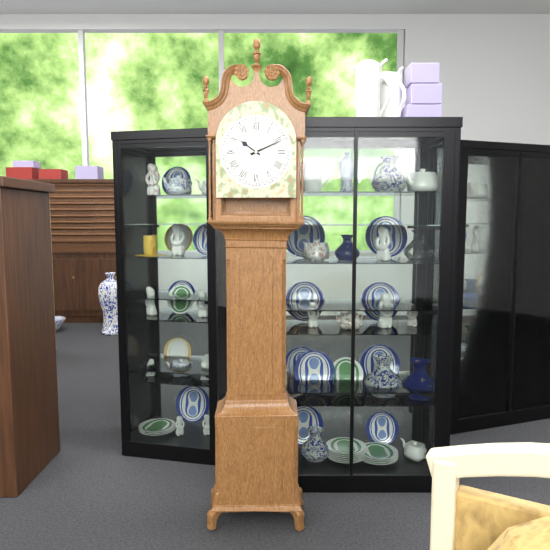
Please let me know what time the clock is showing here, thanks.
10:11
